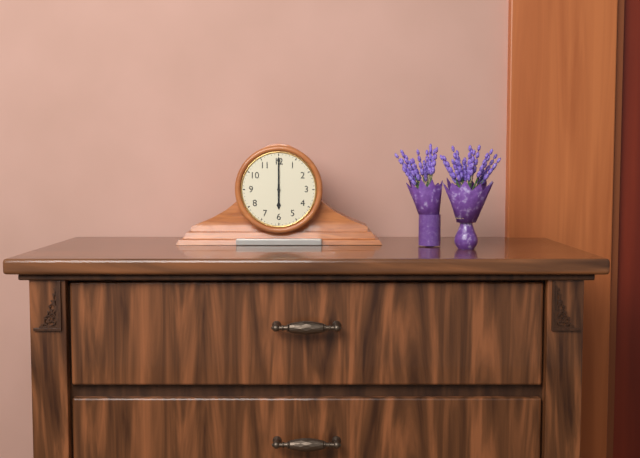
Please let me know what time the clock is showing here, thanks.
6:00
